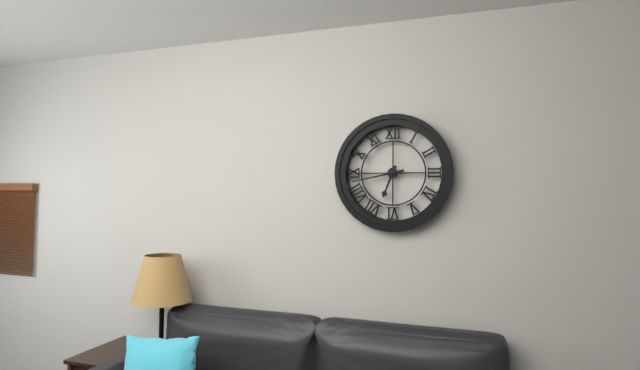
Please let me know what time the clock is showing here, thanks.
6:43
